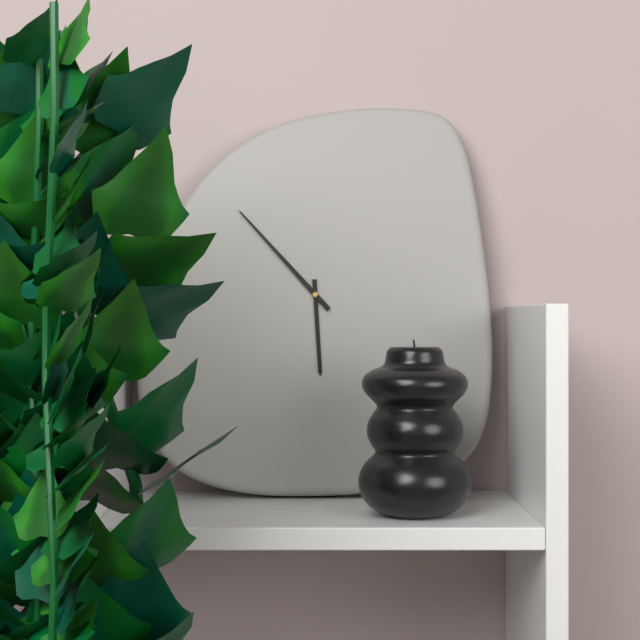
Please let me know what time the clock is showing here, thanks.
5:53
